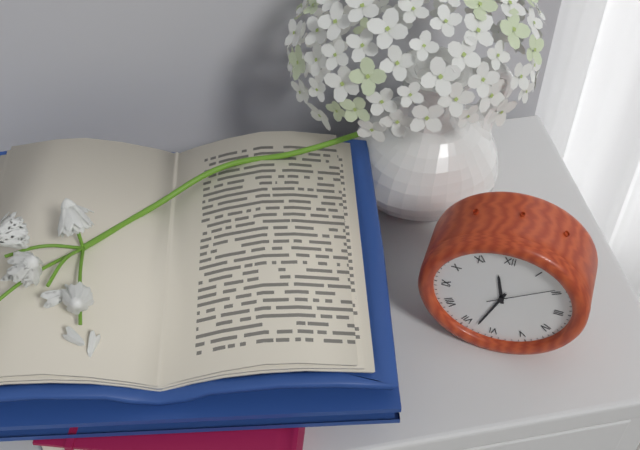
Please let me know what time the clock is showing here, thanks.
11:33:09
